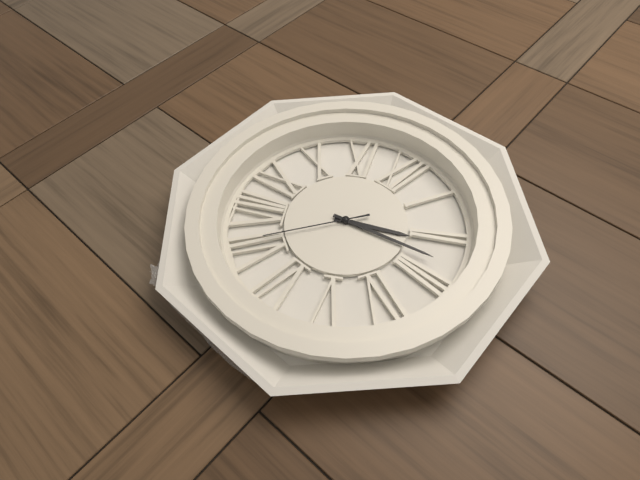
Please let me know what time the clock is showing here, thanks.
2:13:36
